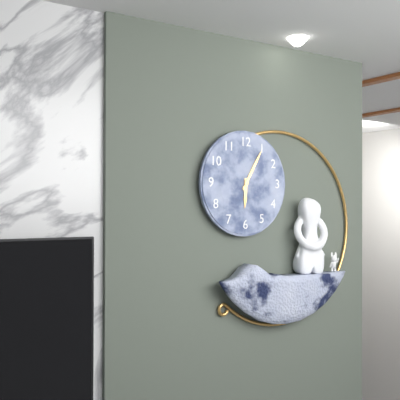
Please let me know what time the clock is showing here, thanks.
6:05
